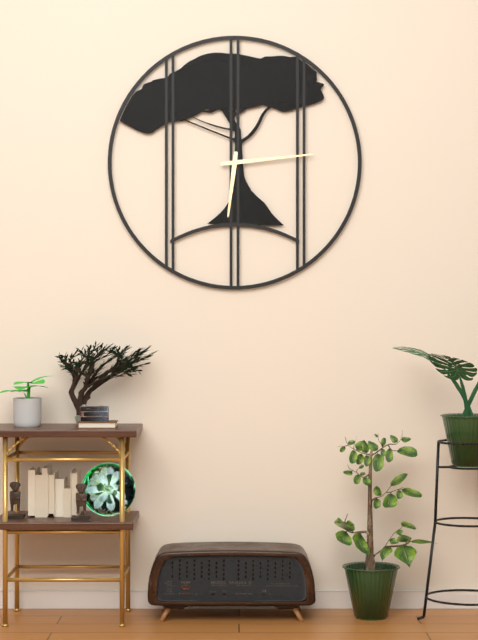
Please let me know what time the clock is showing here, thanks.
6:14
